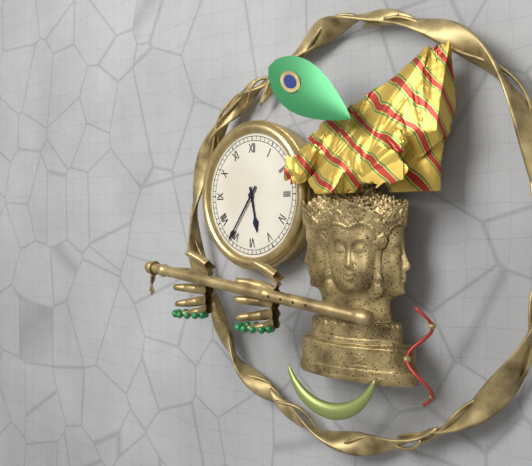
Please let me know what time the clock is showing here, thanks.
5:36
